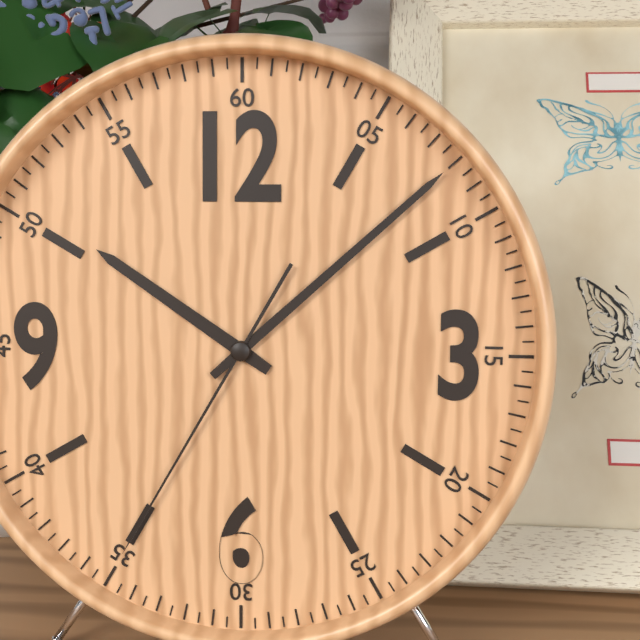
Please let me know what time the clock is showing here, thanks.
10:08:35
